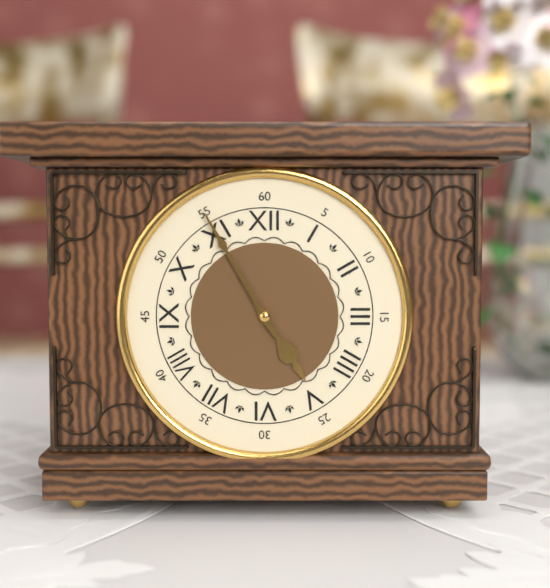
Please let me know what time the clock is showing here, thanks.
4:55
